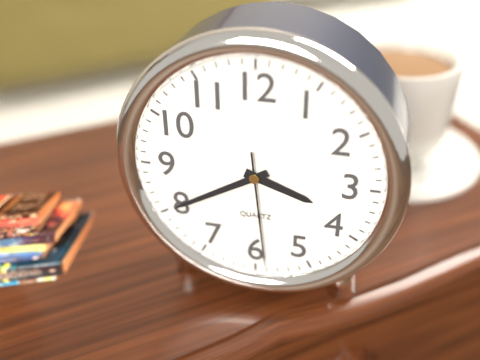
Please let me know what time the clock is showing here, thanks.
3:40:29
